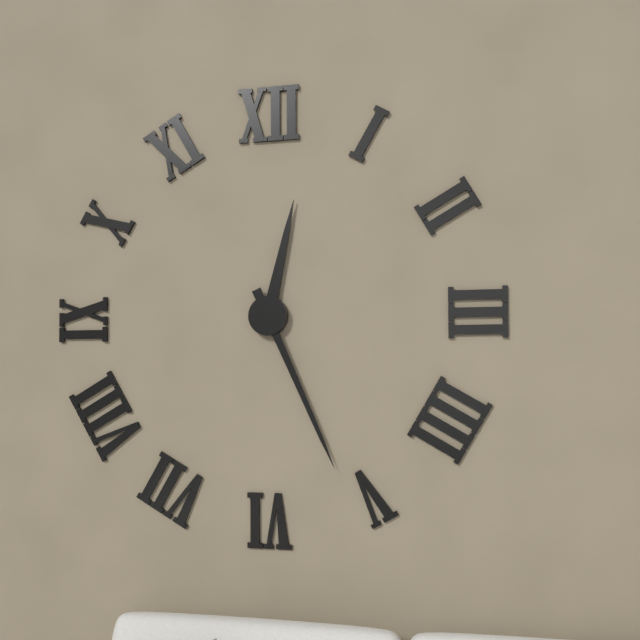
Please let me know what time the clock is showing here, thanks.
12:26
